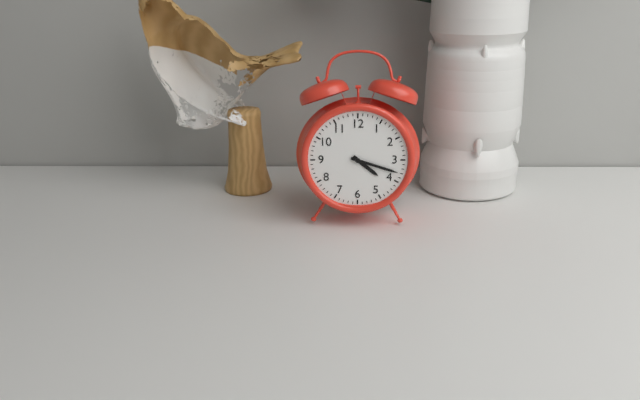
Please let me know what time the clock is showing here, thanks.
4:18
